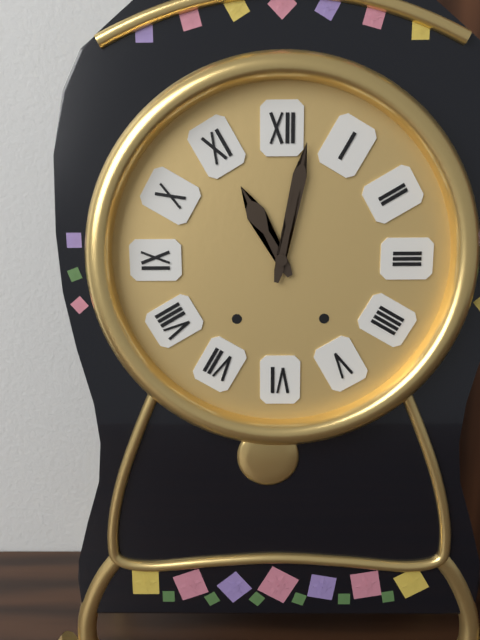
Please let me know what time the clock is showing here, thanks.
11:02
